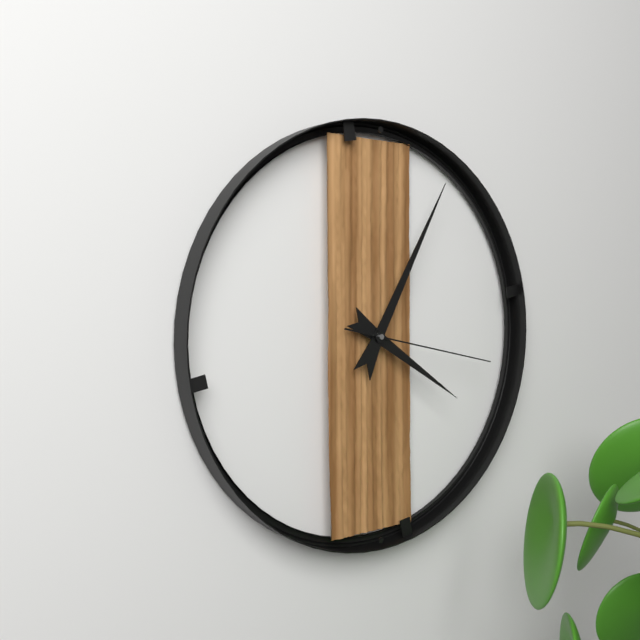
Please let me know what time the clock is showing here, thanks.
4:05:17
